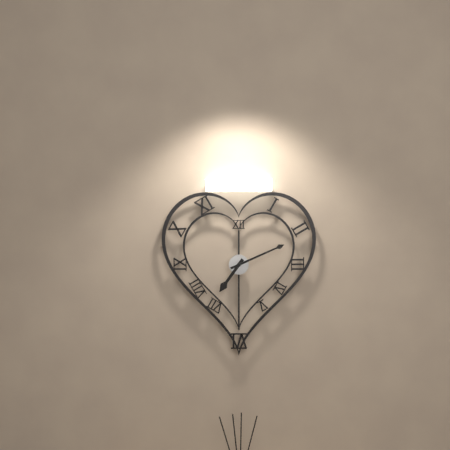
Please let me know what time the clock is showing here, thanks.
7:11
